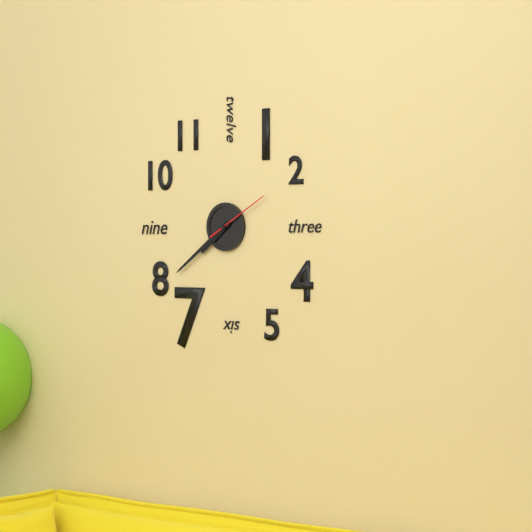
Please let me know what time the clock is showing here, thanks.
7:39:10
